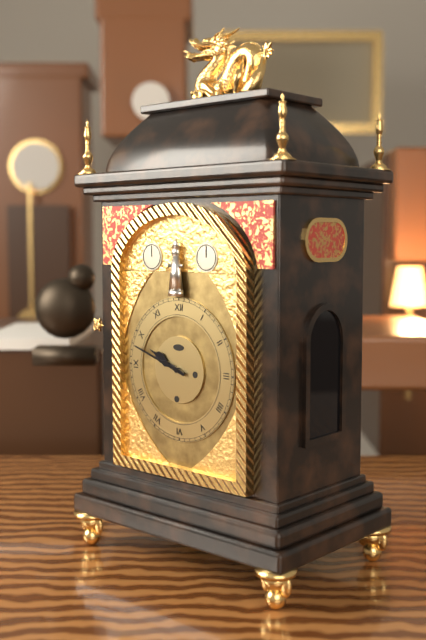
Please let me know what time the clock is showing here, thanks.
9:48
